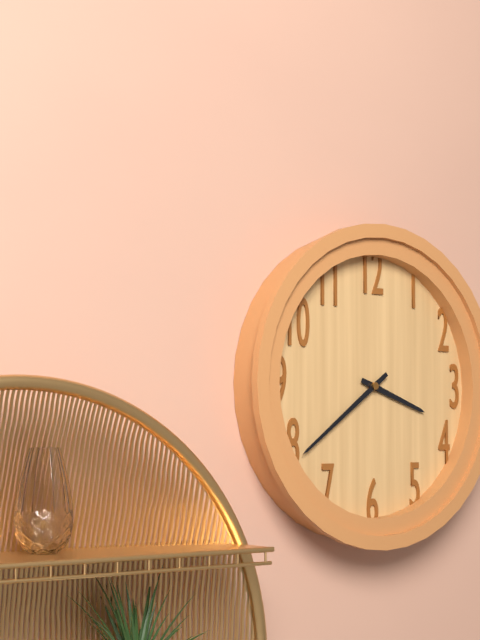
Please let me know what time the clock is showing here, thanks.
3:39
